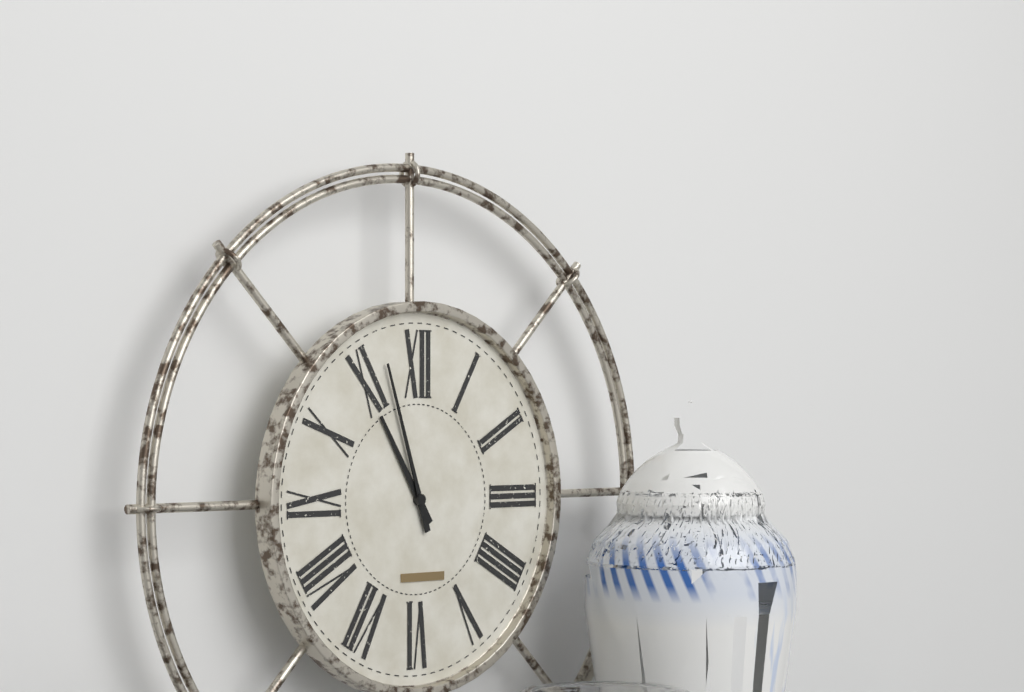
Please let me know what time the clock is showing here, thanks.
10:57
